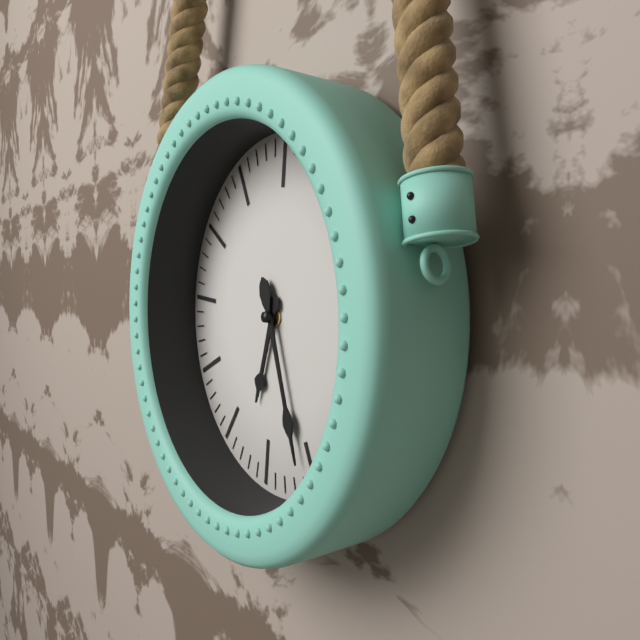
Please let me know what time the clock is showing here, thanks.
6:26
